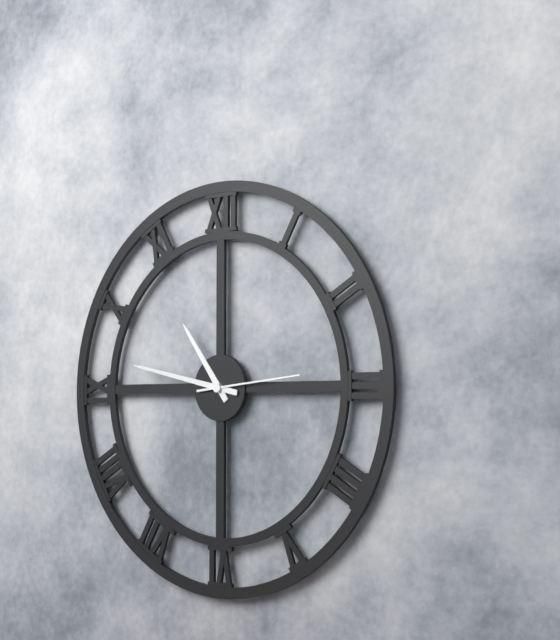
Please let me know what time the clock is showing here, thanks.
10:47:14
